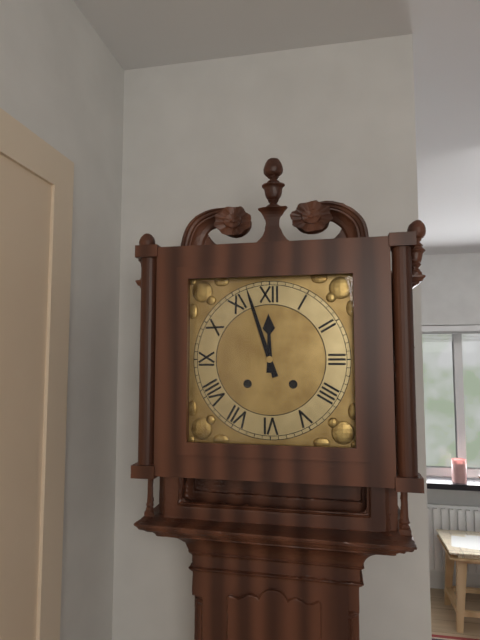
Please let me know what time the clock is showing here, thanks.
11:57
